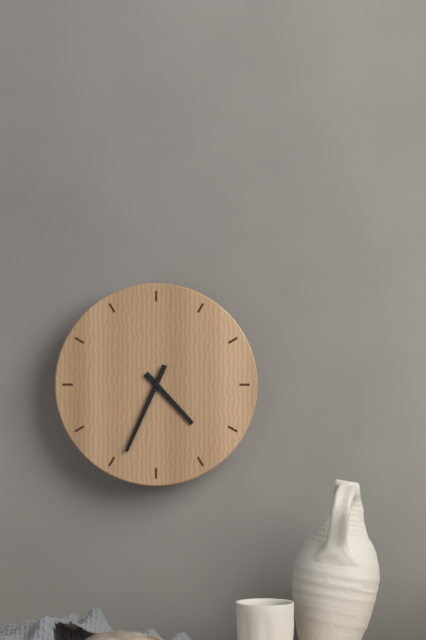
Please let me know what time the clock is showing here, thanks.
4:34
